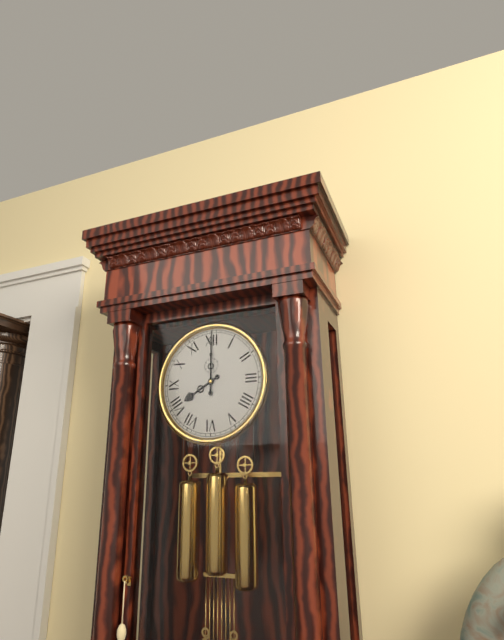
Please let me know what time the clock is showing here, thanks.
8:00
